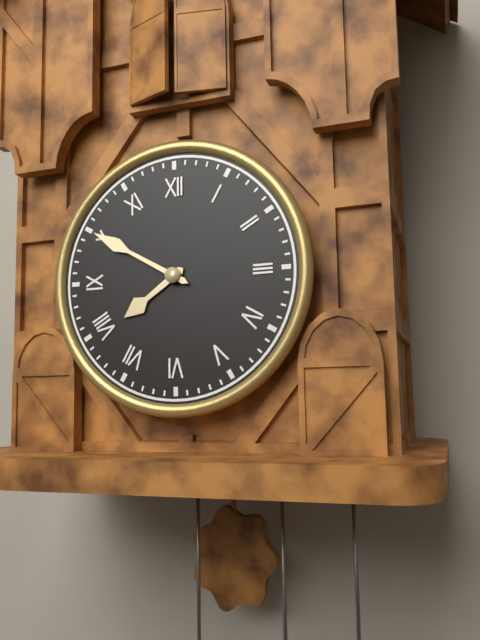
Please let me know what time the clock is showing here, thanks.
7:50
